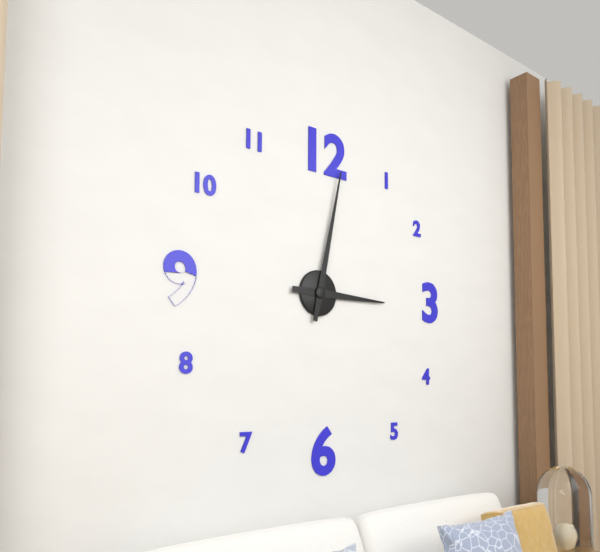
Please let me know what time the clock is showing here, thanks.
3:02
